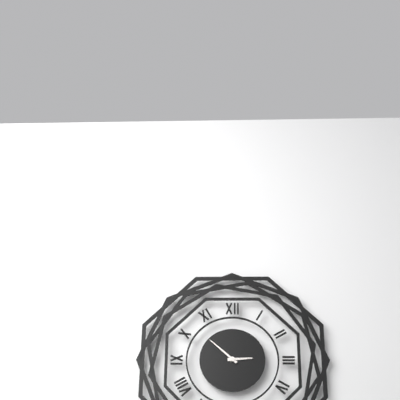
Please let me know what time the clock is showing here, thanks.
2:52
